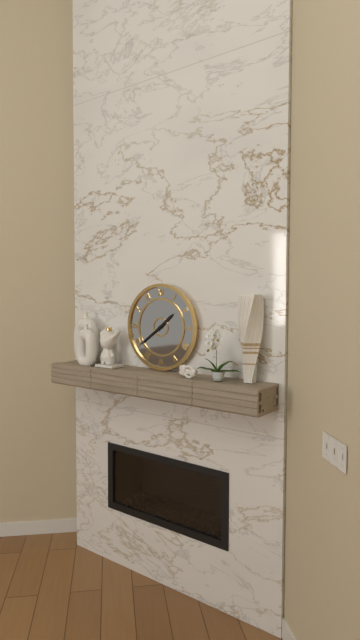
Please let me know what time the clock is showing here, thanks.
1:39
